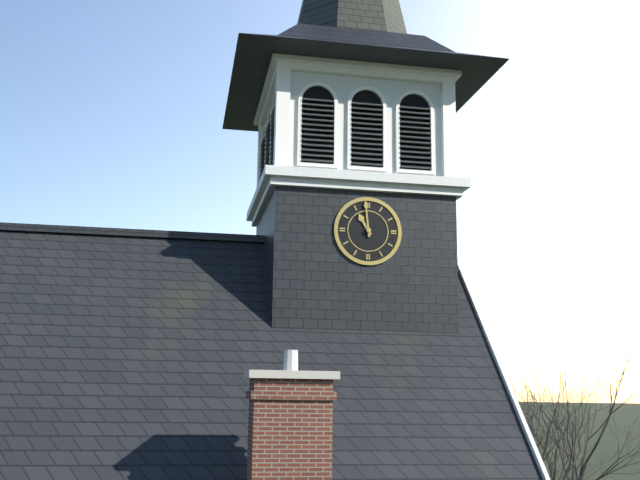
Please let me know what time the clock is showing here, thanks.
10:59
